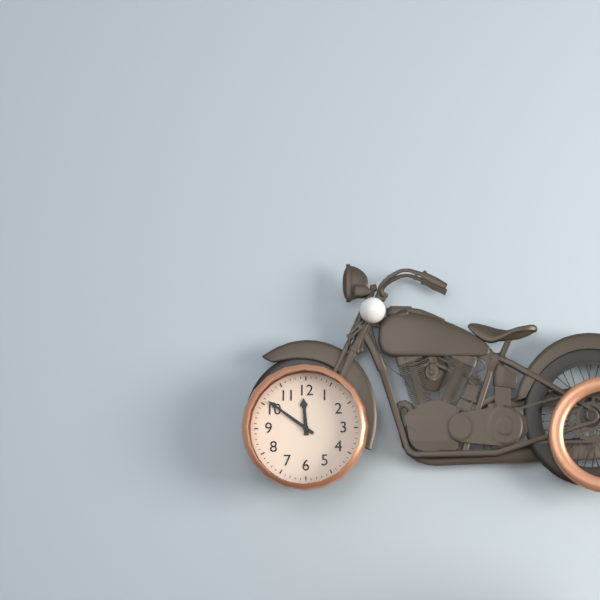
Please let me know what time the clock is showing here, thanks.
11:51
